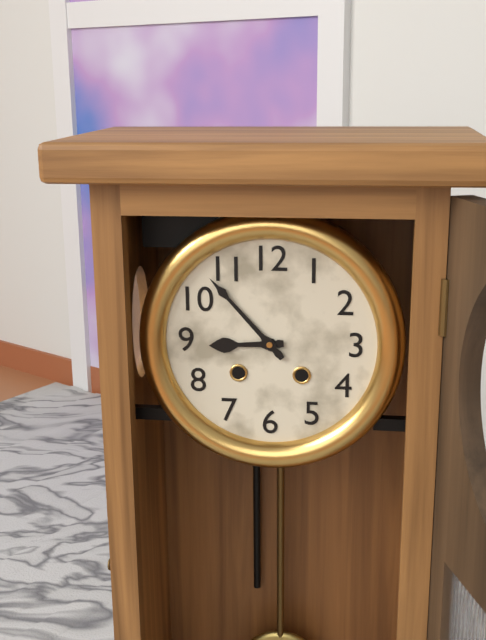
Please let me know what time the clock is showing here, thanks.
8:53
